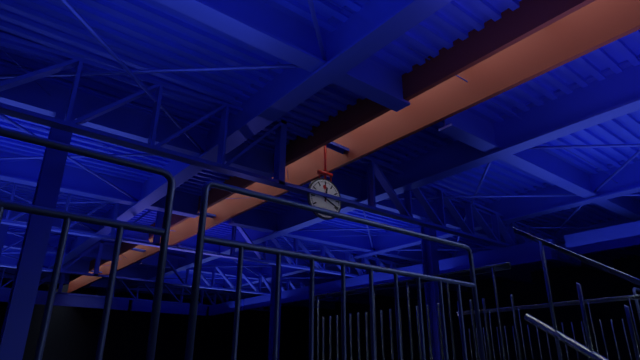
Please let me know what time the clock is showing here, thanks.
12:19
